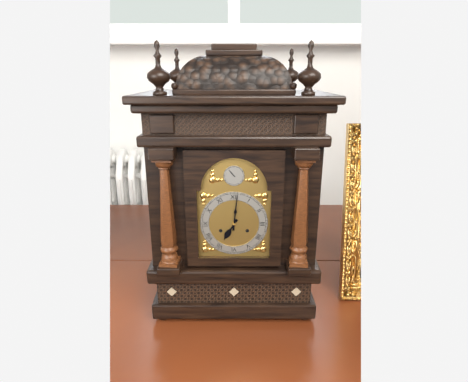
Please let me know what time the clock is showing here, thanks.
7:01
